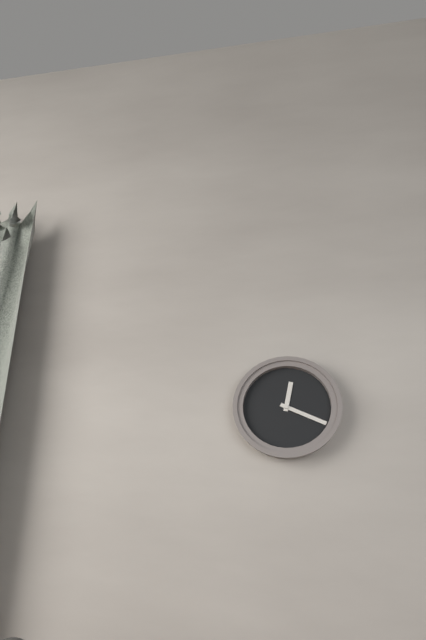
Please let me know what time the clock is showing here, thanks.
12:19
